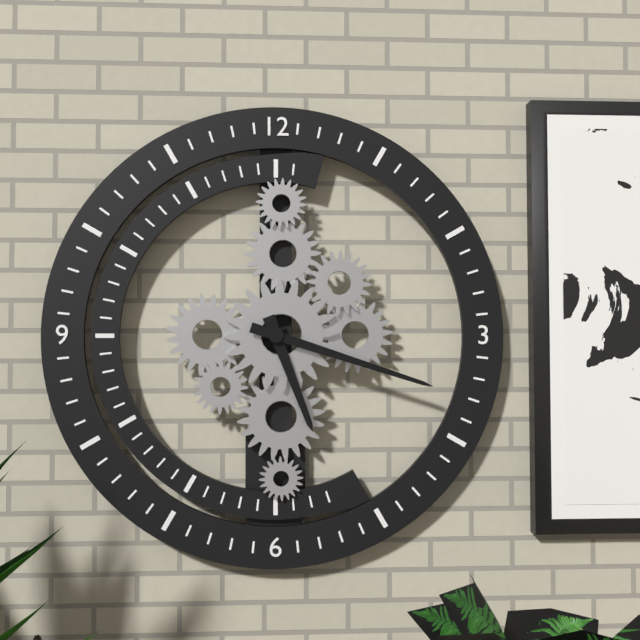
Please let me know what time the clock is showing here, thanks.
5:18
